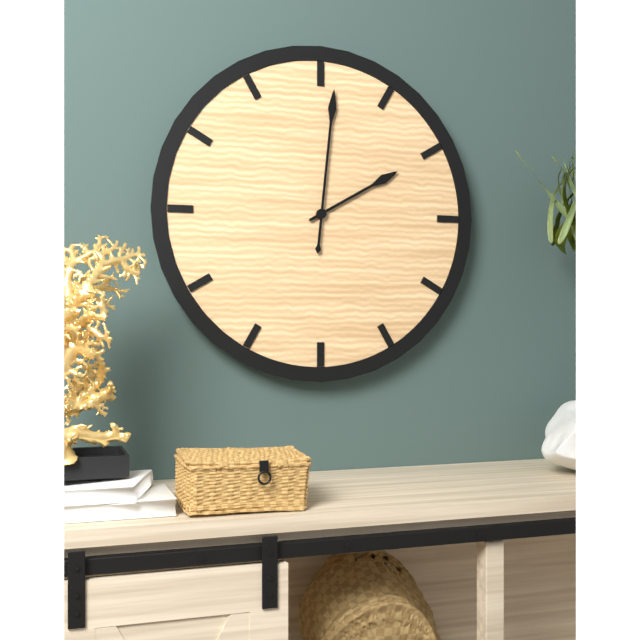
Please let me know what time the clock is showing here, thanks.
2:01
